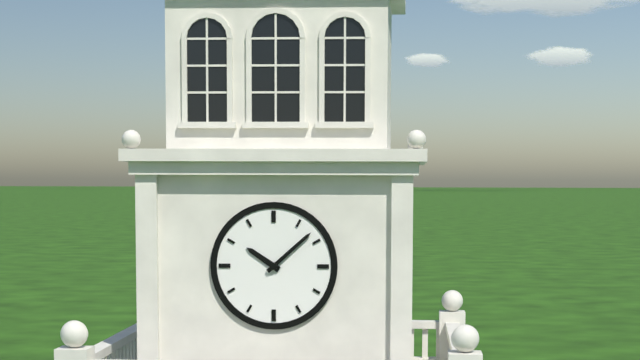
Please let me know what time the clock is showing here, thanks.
10:08
